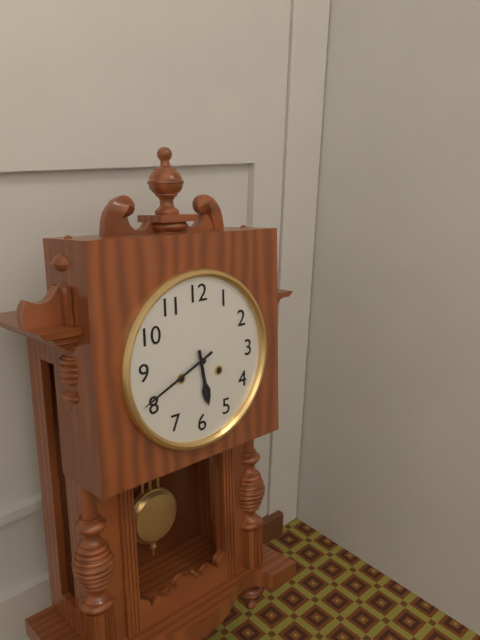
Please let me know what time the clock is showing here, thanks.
5:41
